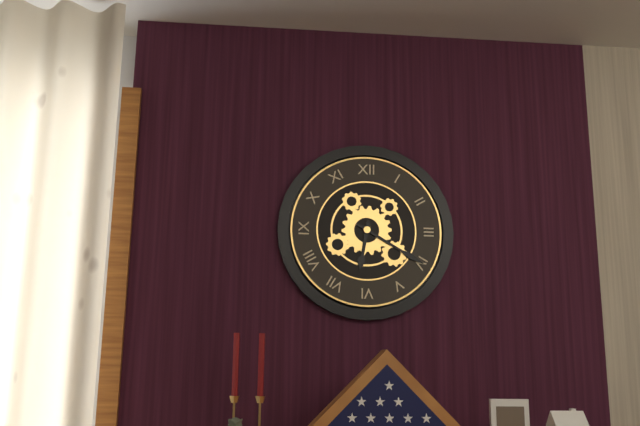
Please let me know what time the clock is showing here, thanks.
6:20
